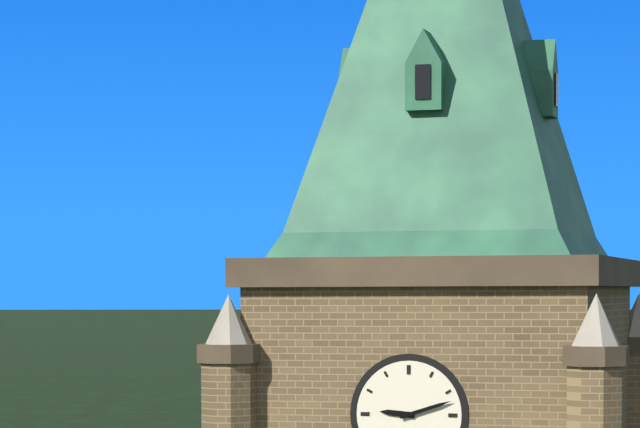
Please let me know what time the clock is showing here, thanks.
9:12
